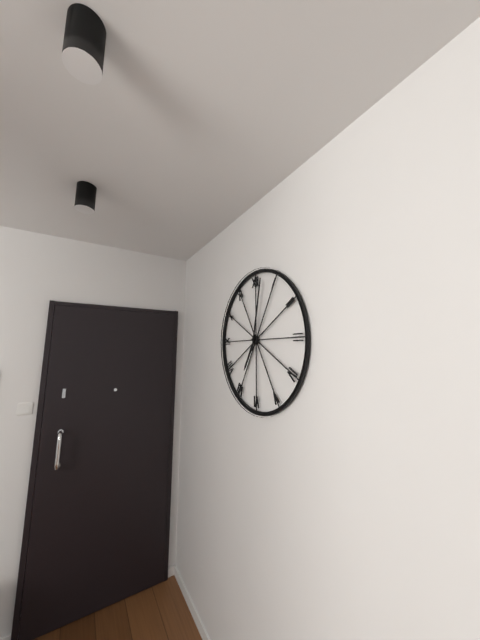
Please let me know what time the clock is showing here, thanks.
7:02
